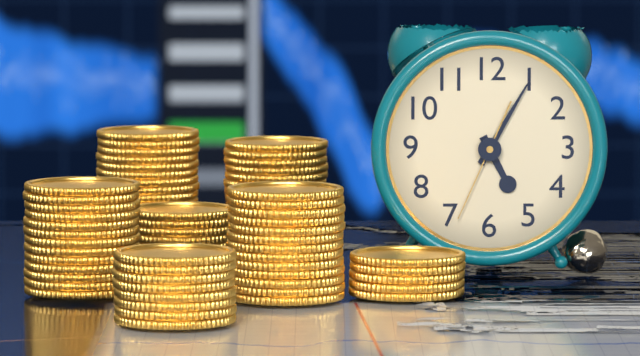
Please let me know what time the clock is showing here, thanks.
5:05:34
